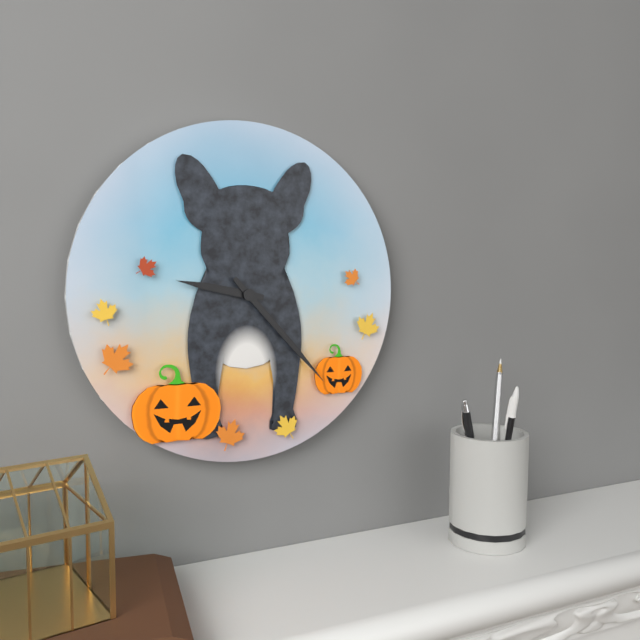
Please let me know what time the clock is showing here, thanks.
9:23
